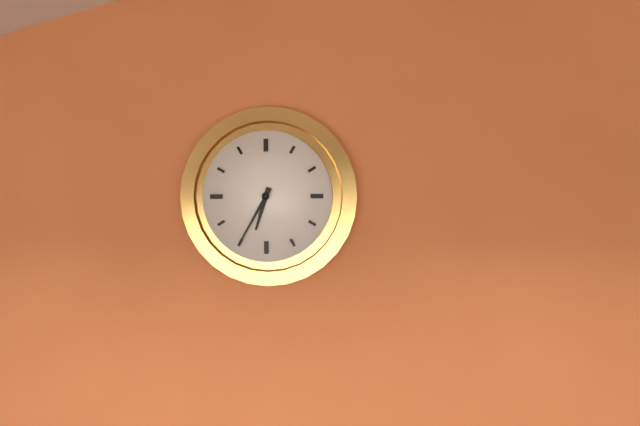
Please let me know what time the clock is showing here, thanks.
6:35
